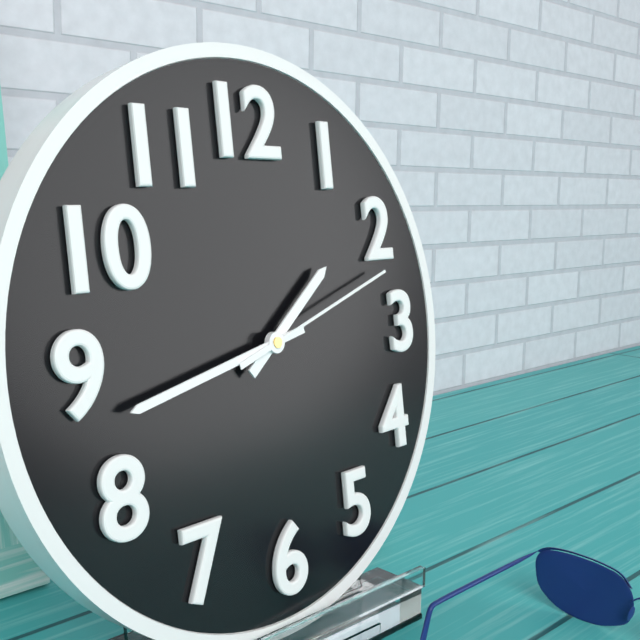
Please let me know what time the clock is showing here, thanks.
1:43:12
